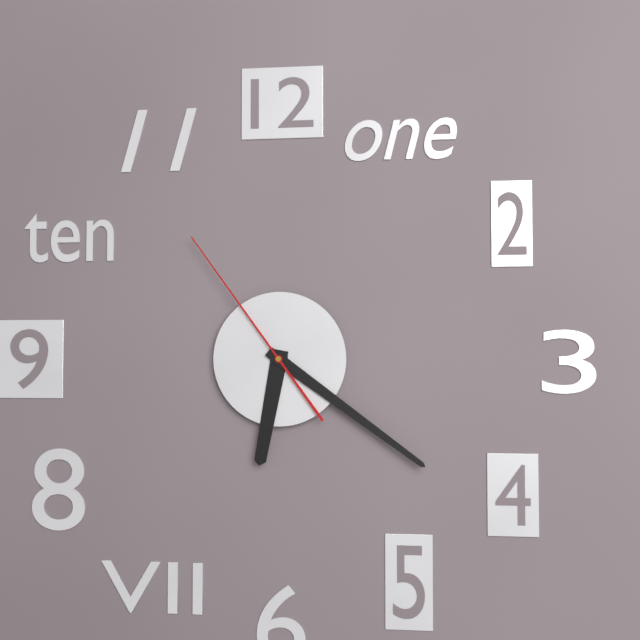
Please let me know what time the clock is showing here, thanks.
6:21:54
